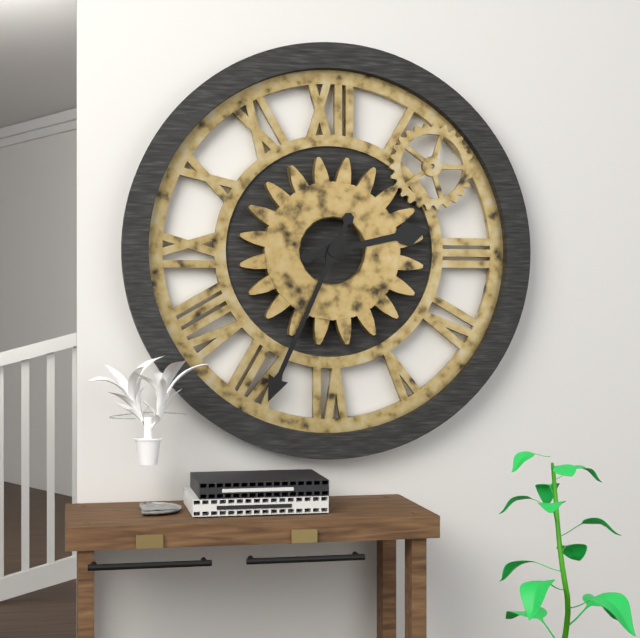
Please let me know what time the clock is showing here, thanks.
2:34
